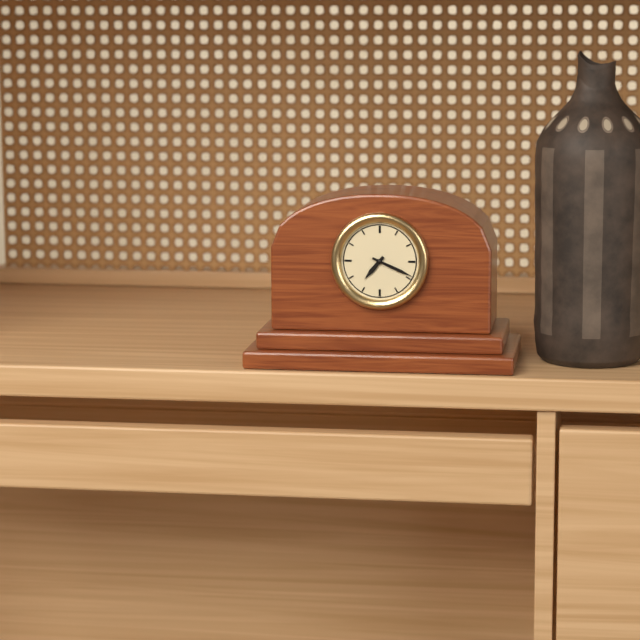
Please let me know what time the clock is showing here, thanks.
7:19
